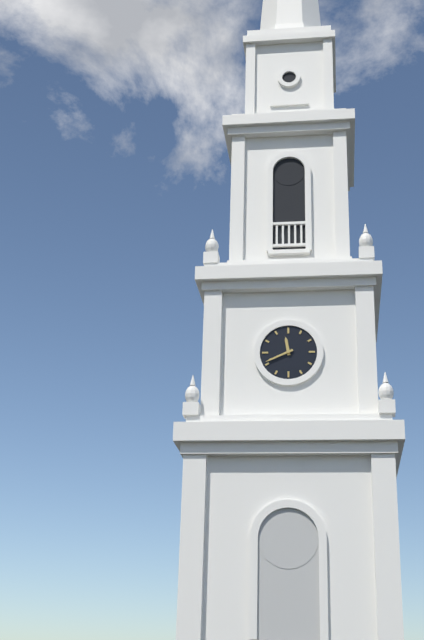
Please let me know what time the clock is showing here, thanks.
11:41
